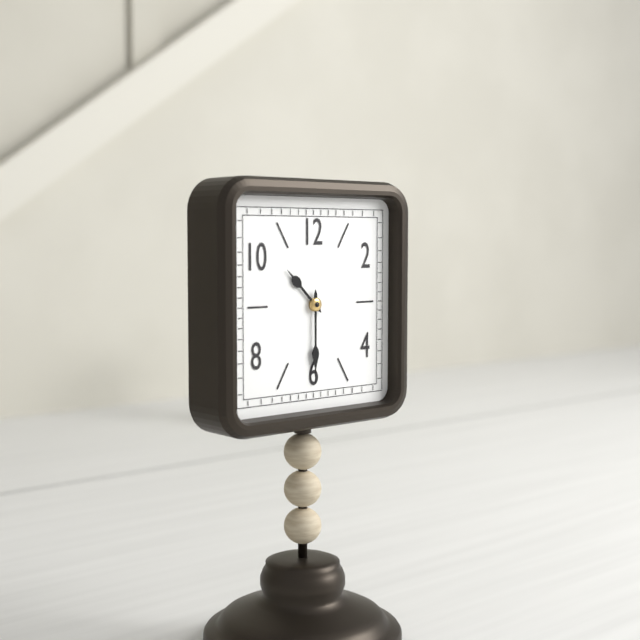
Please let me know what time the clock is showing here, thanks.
10:30
